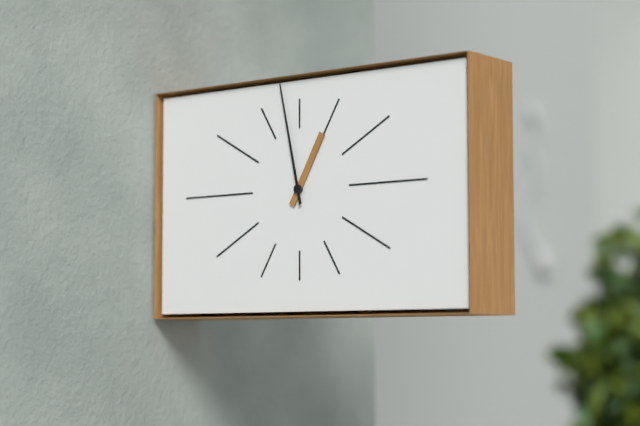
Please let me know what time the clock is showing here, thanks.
12:58
